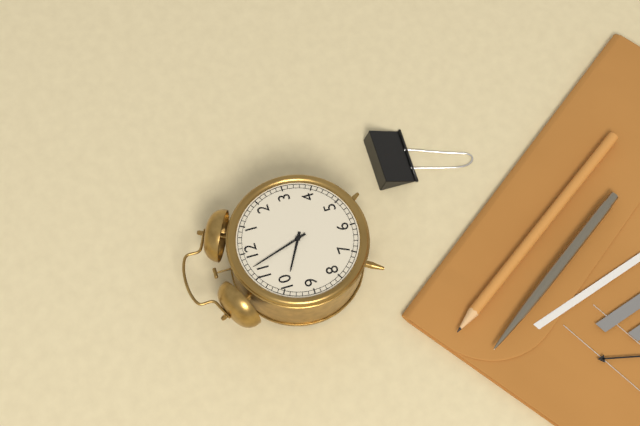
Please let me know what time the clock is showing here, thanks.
9:57
